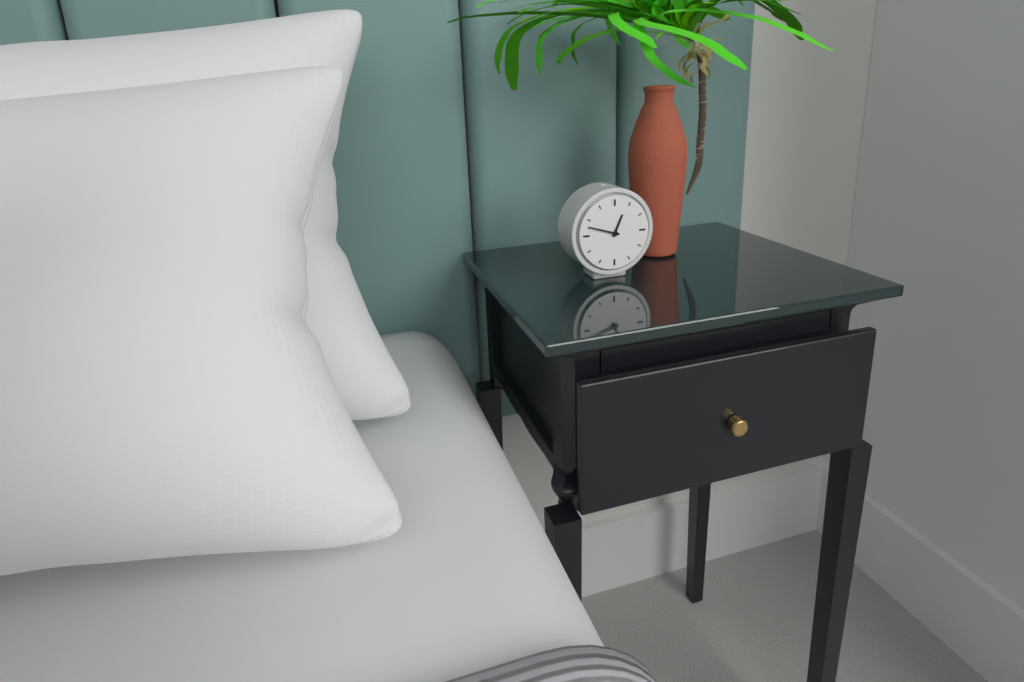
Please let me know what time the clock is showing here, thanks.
12:48
